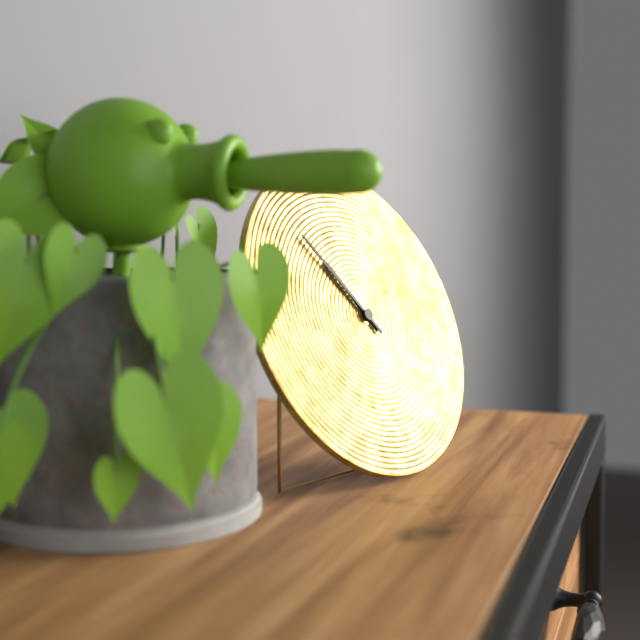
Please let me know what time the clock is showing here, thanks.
10:54
